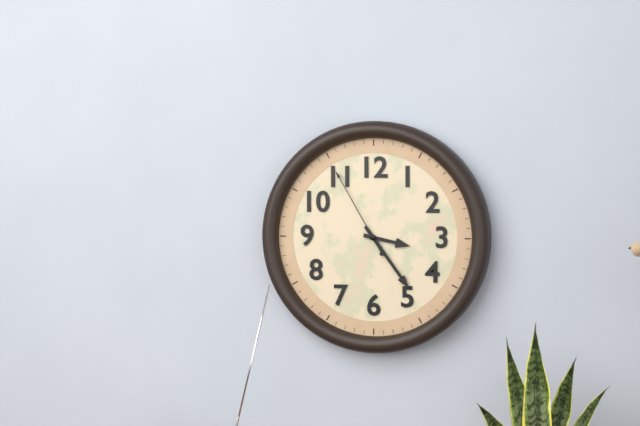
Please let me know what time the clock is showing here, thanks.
3:24:55
